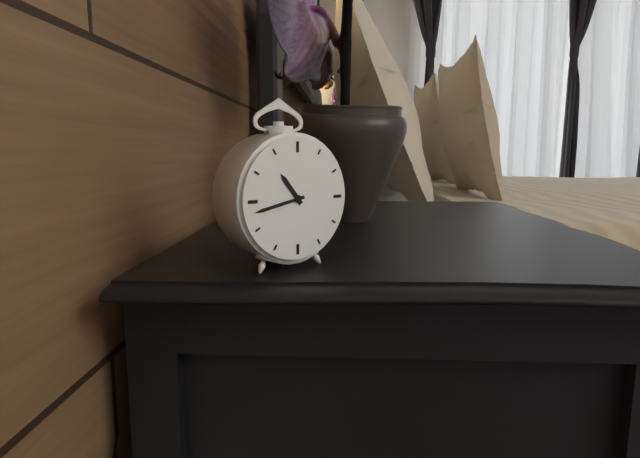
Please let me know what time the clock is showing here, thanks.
10:43
